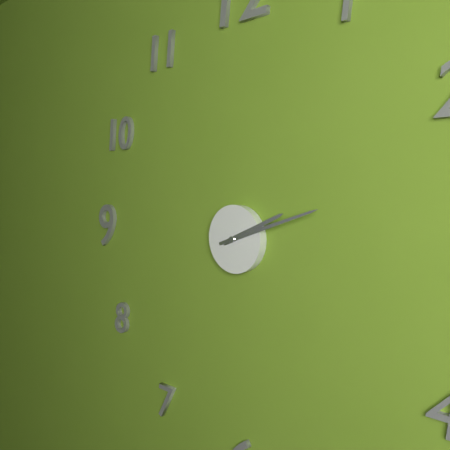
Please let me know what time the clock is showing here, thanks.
2:12
